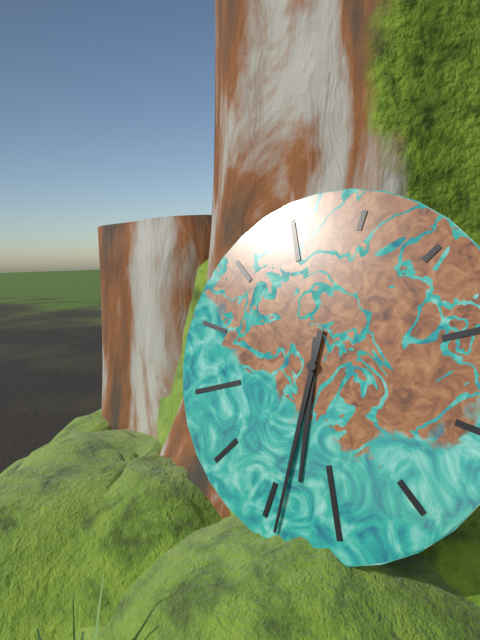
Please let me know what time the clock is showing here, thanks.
6:34
